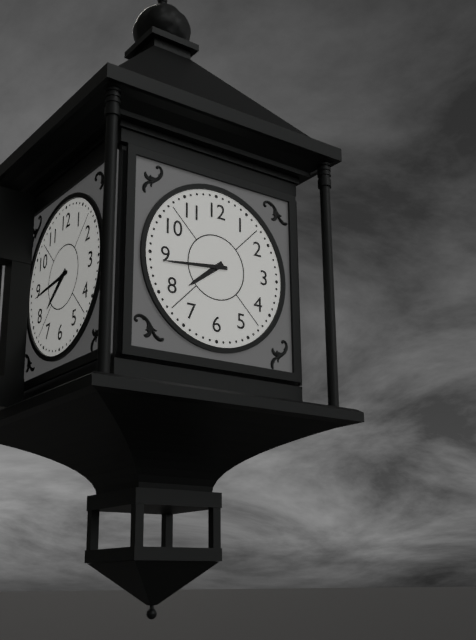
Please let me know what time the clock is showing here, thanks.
7:44
